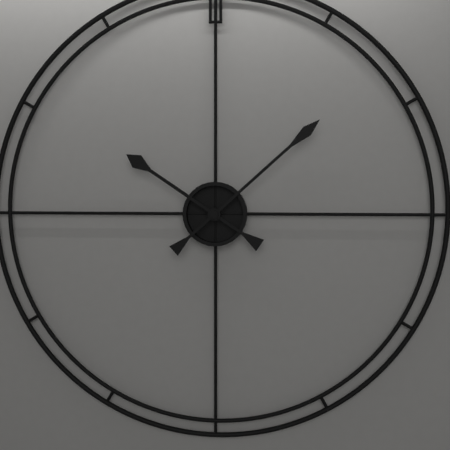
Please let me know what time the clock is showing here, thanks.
10:08
